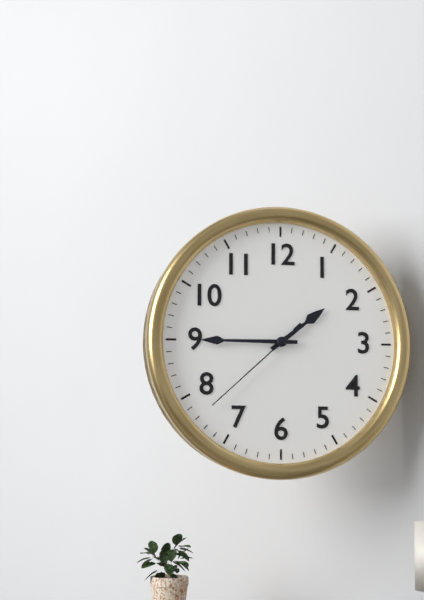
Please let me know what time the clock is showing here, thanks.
1:45:38
